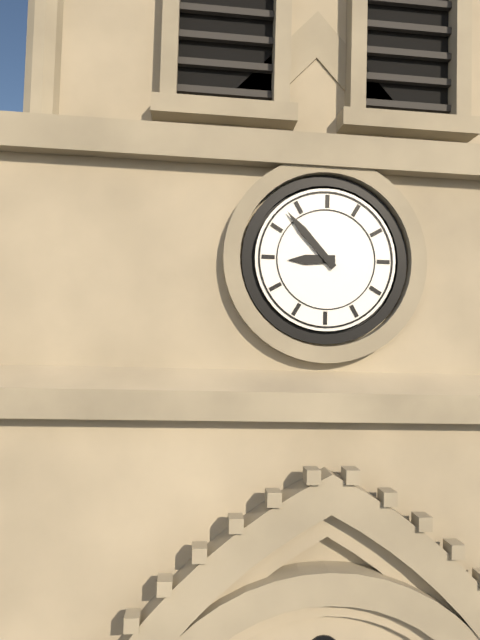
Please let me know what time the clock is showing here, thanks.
8:53
